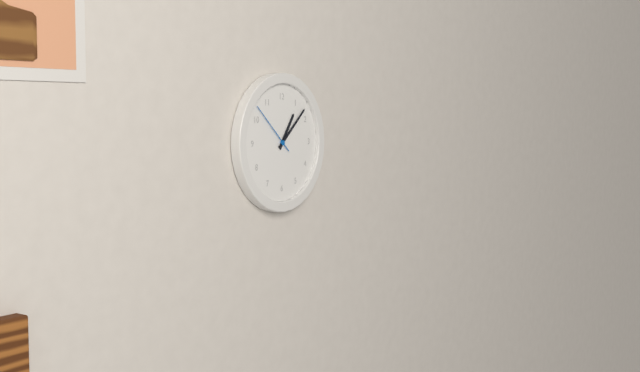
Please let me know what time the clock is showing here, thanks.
1:08:52
